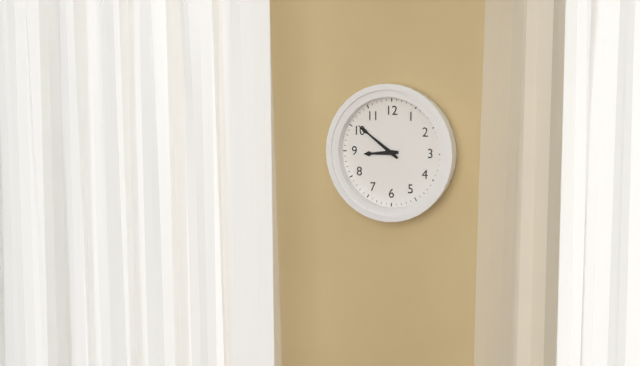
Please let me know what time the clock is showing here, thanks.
8:51
